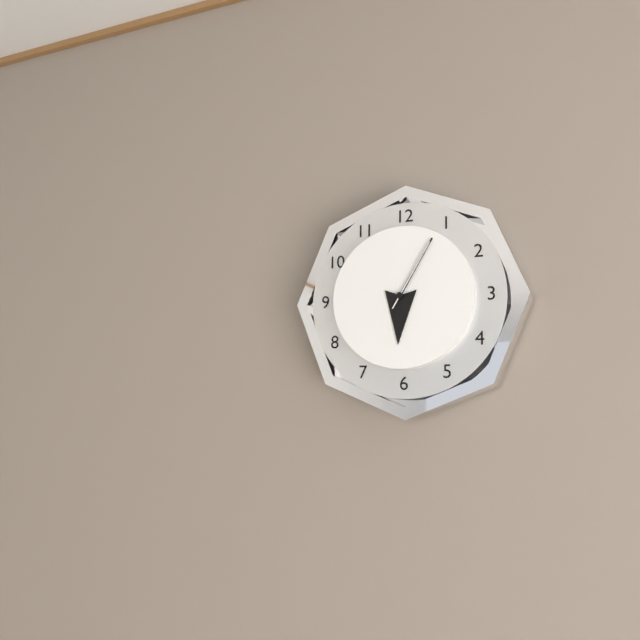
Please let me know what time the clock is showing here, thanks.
6:05:05
